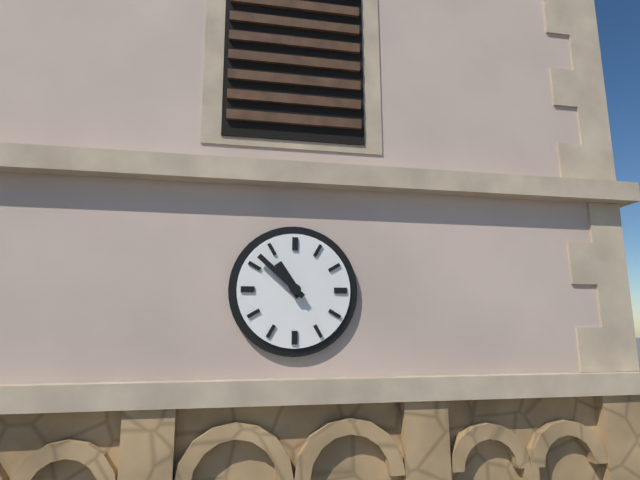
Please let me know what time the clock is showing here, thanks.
10:52
